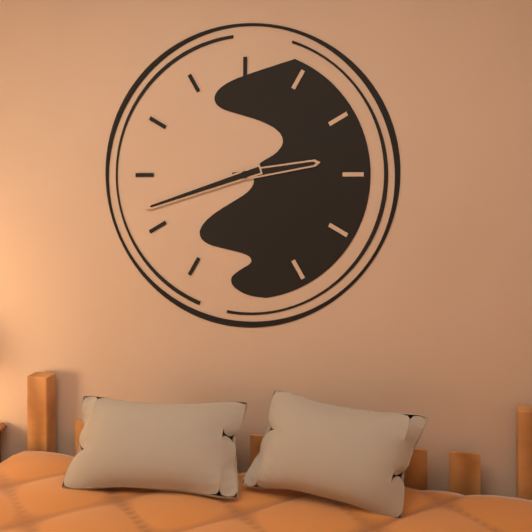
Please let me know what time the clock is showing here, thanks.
2:42
